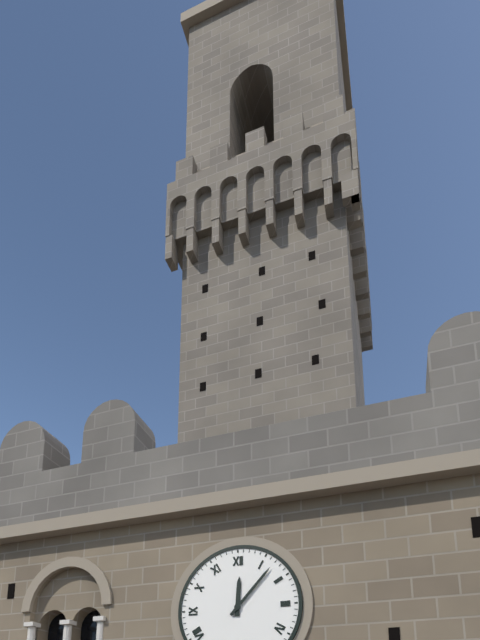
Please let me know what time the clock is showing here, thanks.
12:07
